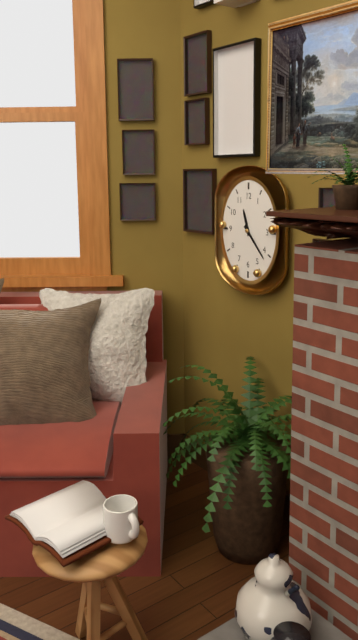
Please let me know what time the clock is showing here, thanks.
11:23
